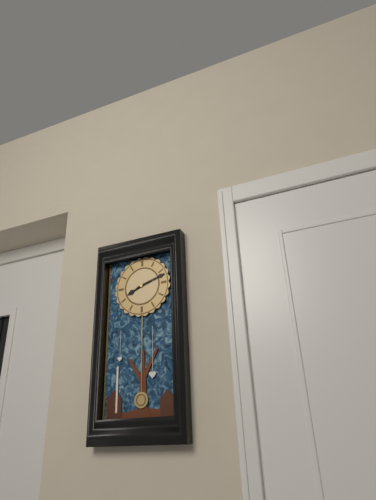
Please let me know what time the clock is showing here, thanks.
8:12
